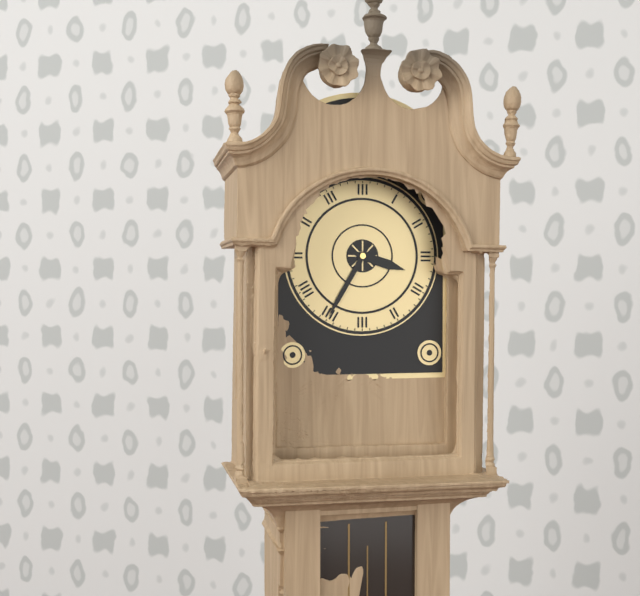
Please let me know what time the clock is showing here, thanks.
3:35
